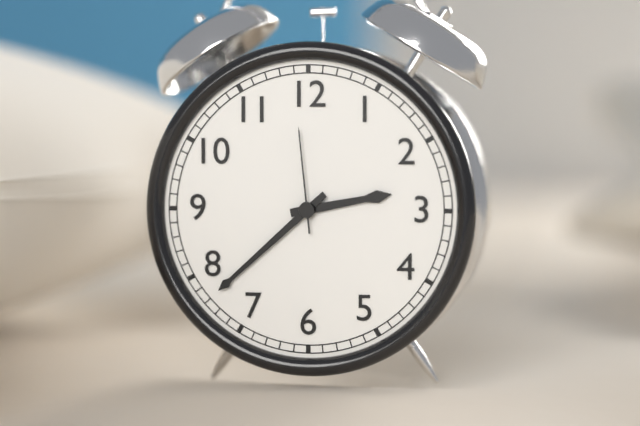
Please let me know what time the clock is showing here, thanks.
2:38:59
